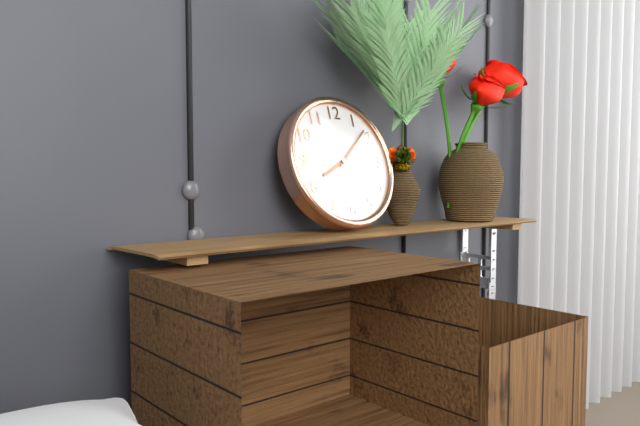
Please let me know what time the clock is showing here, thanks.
8:08
